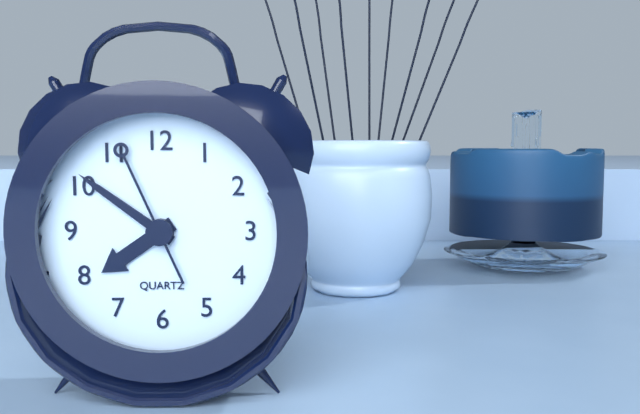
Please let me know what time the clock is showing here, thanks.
7:51:56
